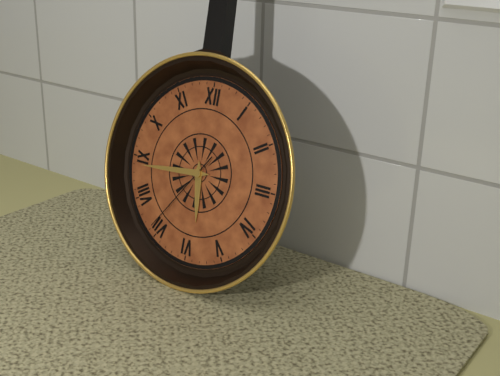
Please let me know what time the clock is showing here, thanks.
5:44:36
